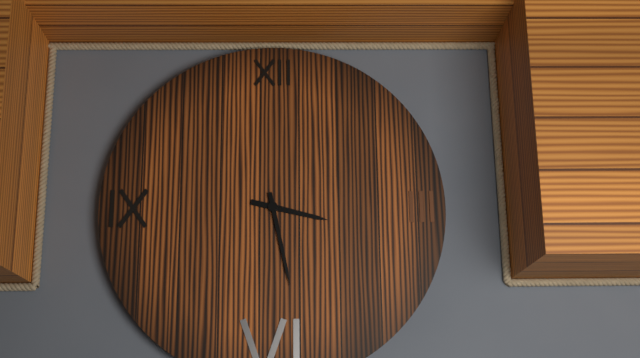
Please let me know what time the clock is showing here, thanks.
3:28
